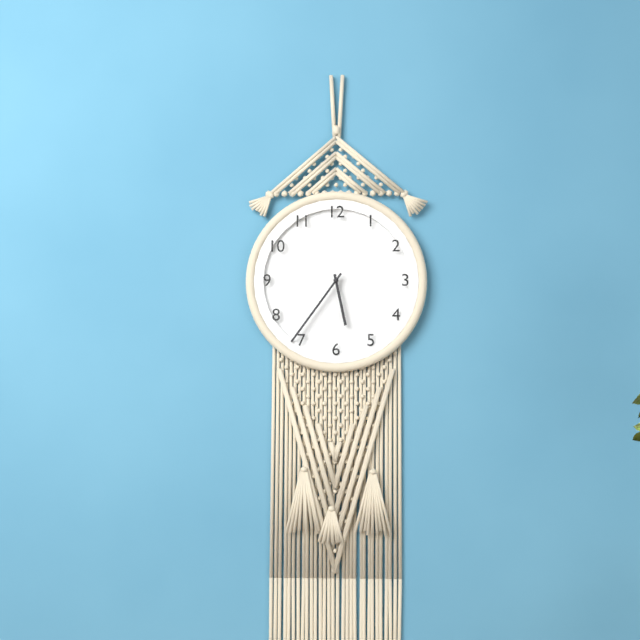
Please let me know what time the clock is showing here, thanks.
5:36
